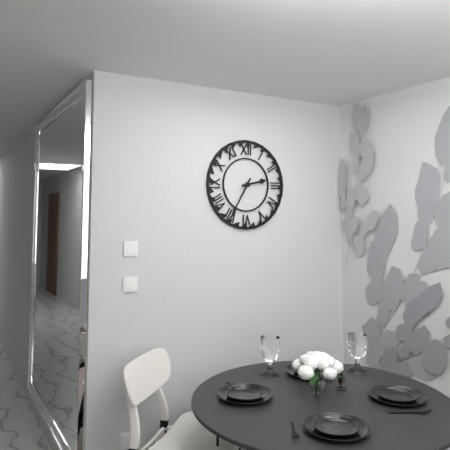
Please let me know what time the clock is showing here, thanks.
2:35
